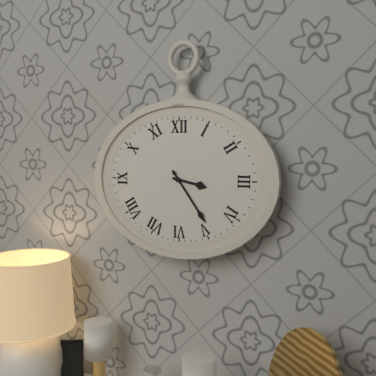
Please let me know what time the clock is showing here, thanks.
3:24
